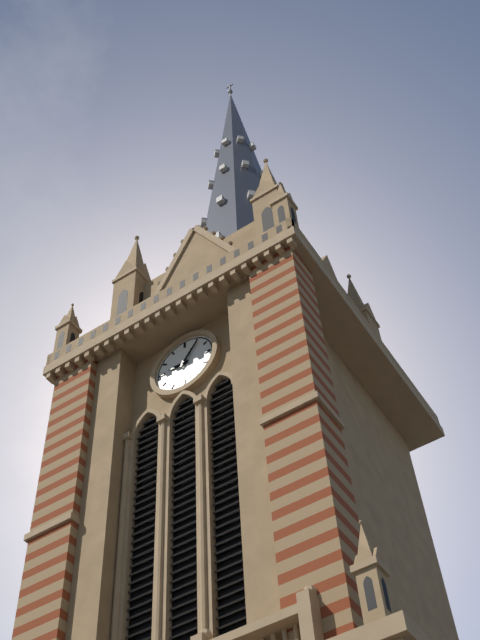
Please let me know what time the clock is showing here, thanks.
9:06
